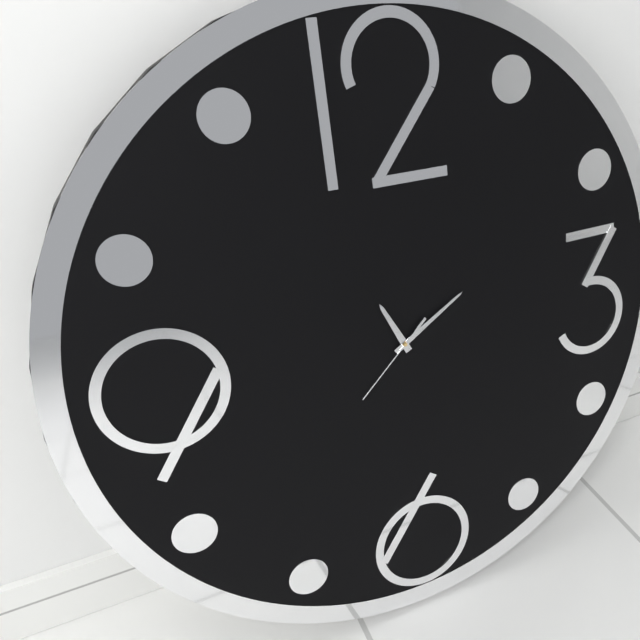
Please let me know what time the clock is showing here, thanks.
11:10:38
